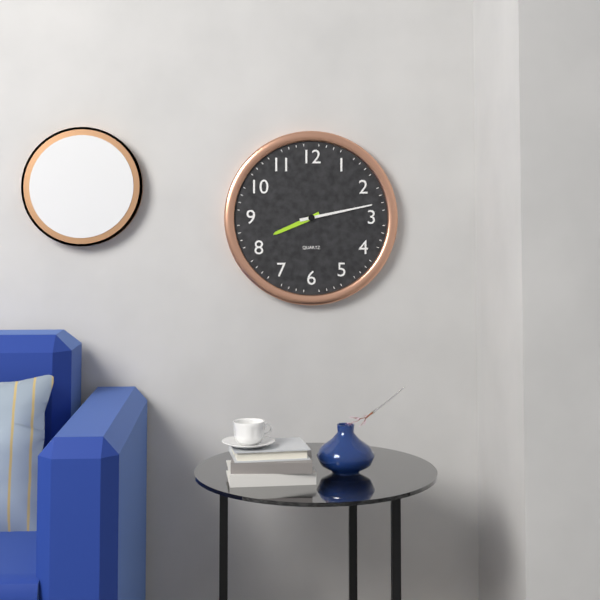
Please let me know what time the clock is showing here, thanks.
8:13
